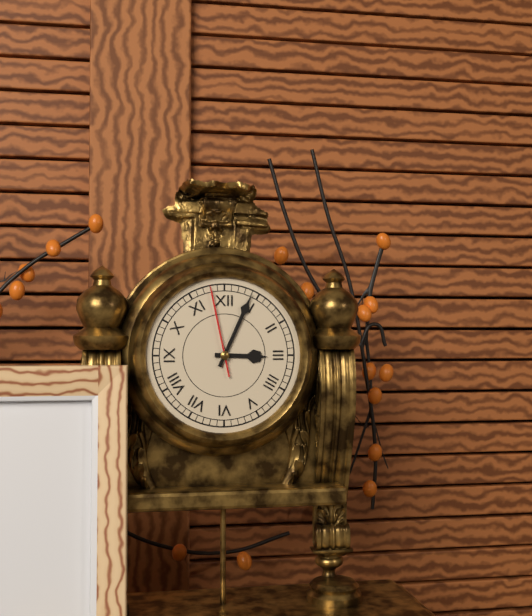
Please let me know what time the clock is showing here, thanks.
3:04:58
